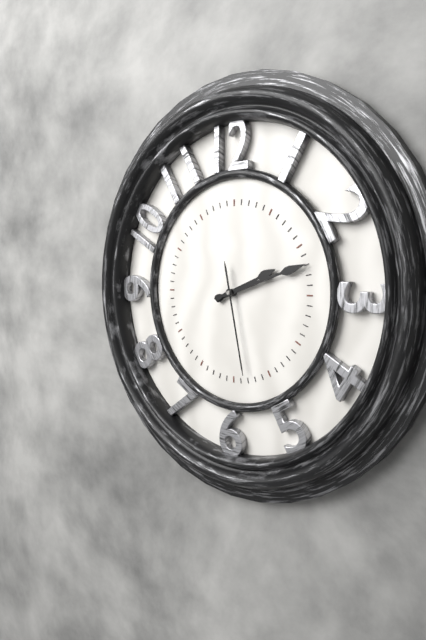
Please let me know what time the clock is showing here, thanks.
2:12:28
